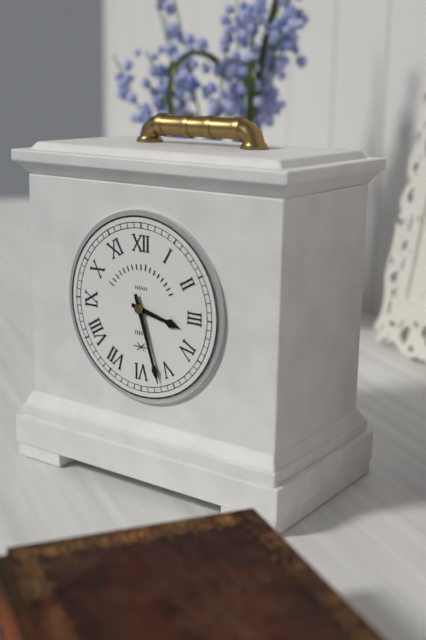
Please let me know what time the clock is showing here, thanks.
3:27
